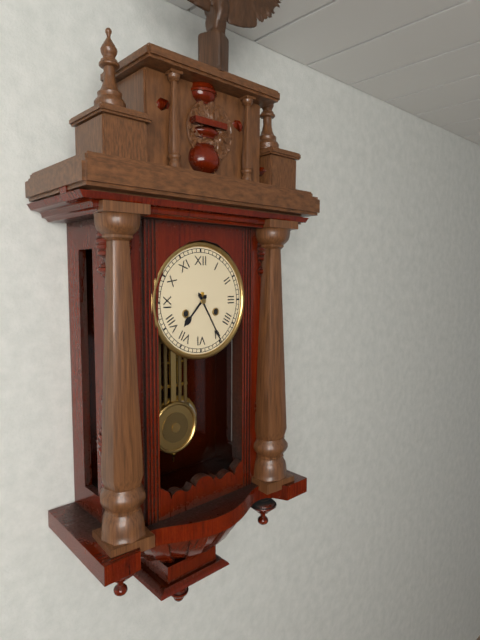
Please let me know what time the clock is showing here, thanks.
7:25
